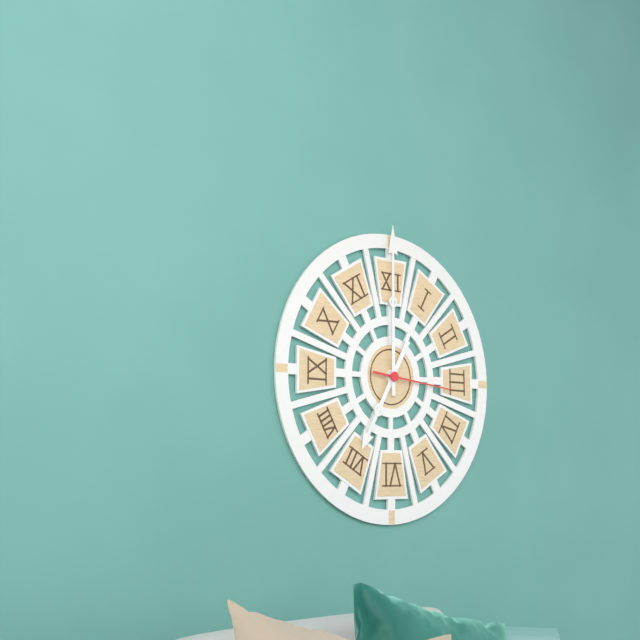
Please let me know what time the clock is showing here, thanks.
7:00:16
